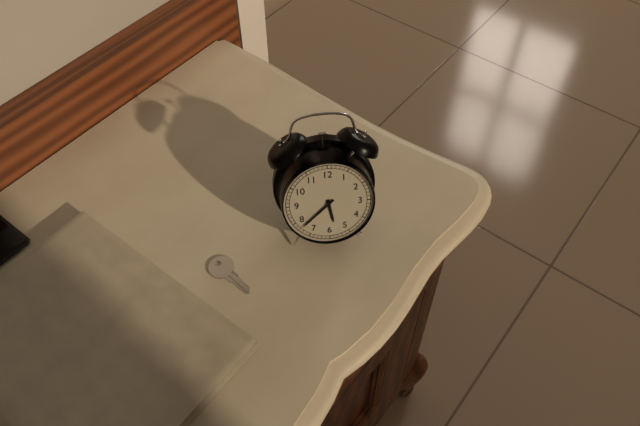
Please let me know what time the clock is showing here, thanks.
5:38
